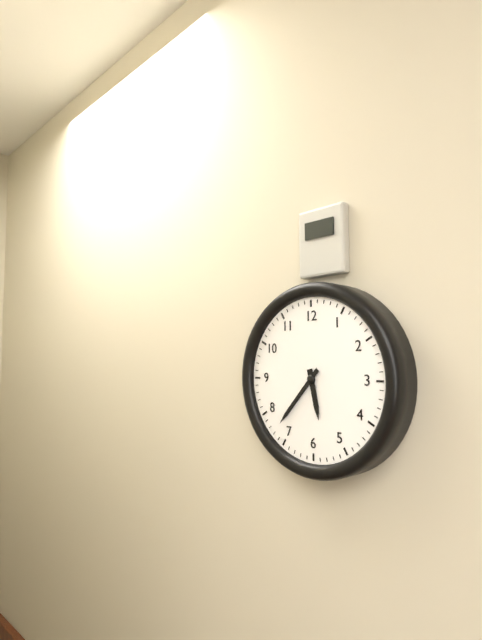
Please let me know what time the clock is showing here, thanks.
5:37
